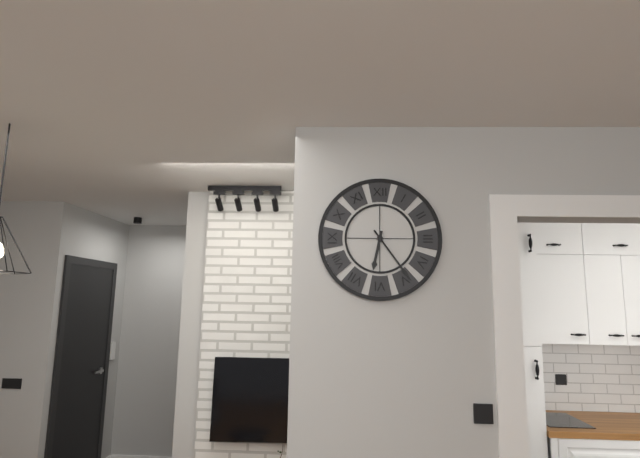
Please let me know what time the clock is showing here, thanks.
6:24
